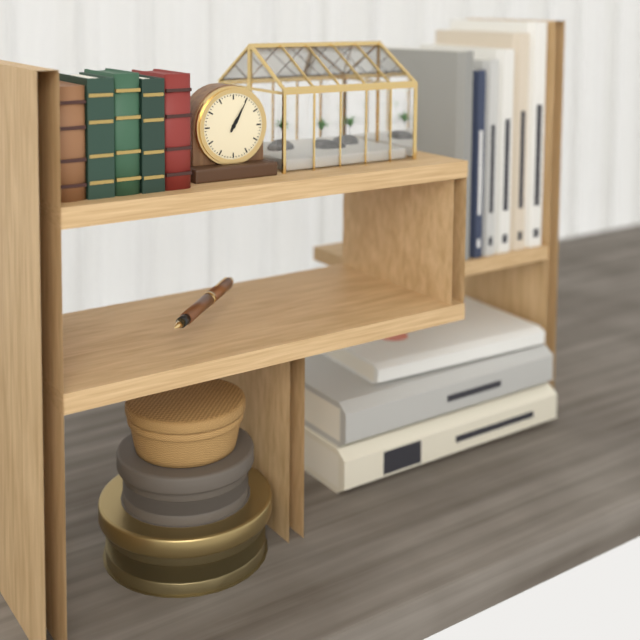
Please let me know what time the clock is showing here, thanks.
1:05
